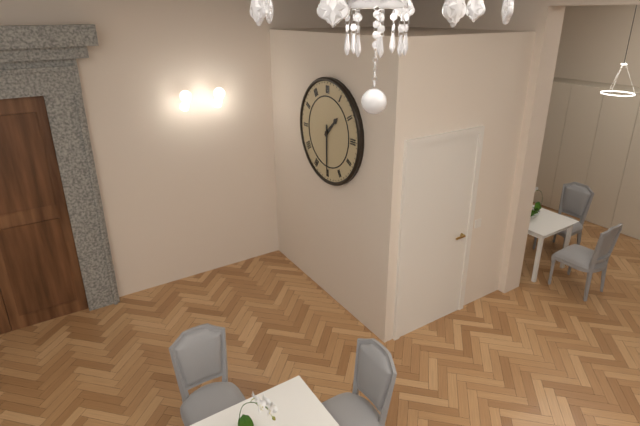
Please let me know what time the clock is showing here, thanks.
1:30
